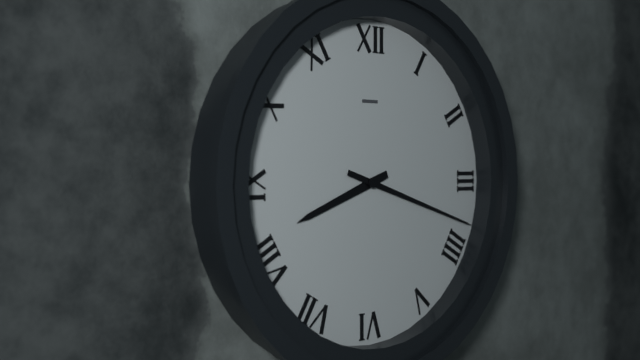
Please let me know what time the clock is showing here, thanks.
8:18
